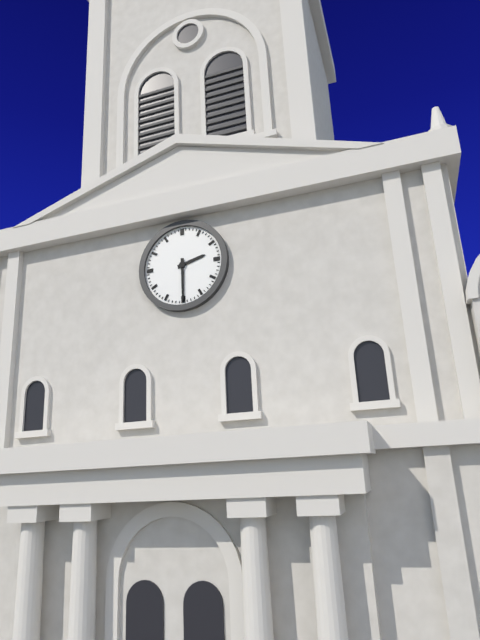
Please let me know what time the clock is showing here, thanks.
2:30
